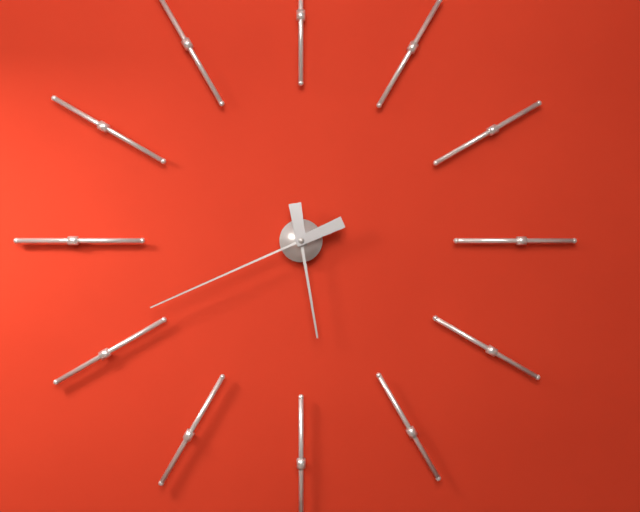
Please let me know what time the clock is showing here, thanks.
5:41
